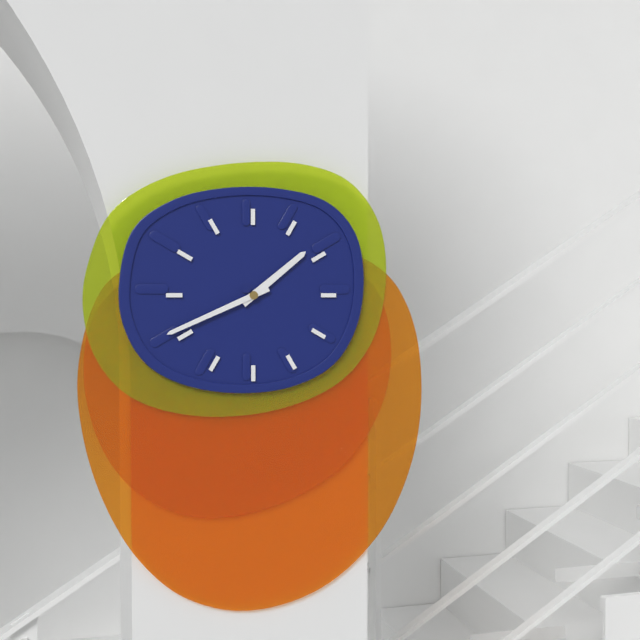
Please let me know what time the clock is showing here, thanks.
1:41
